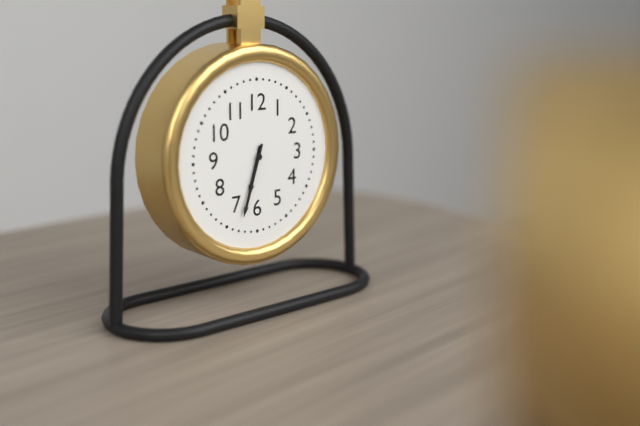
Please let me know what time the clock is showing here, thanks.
6:33
